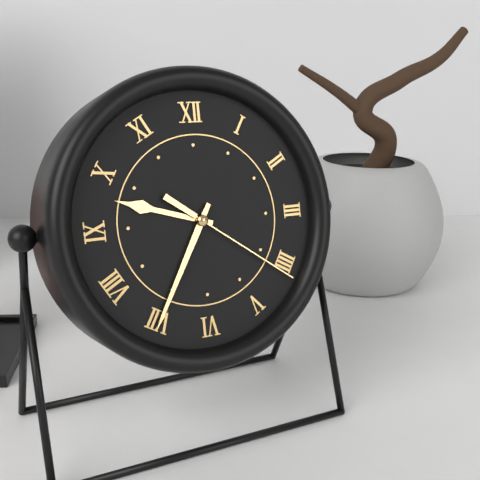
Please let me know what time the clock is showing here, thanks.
9:35:21
